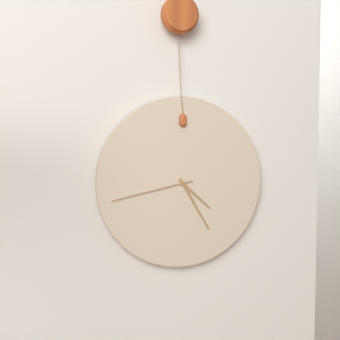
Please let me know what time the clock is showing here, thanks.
4:25:43
